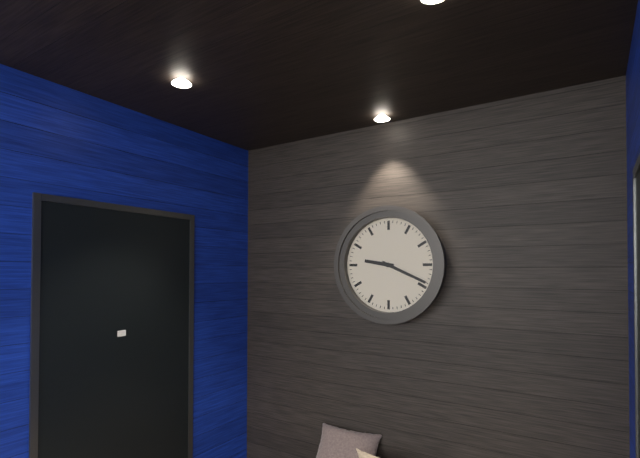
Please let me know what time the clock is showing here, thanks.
9:19
